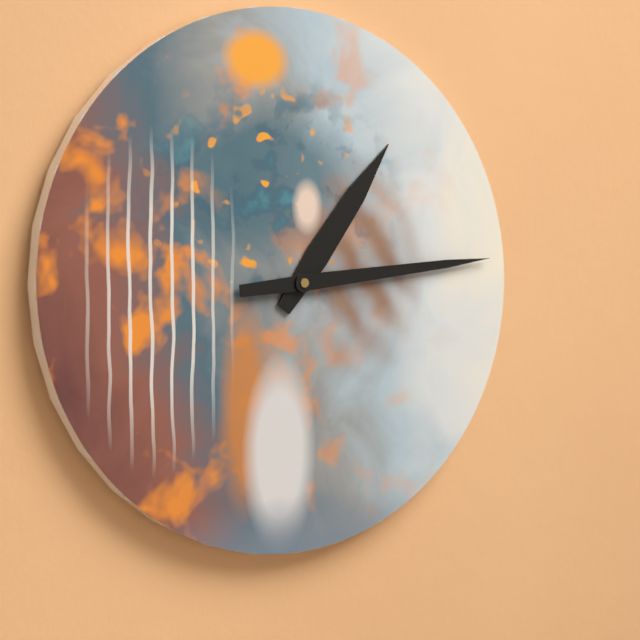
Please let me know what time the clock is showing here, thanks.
1:14
